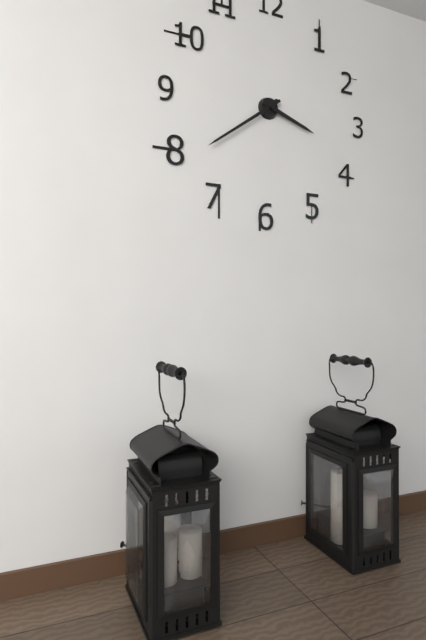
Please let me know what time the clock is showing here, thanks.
3:39
